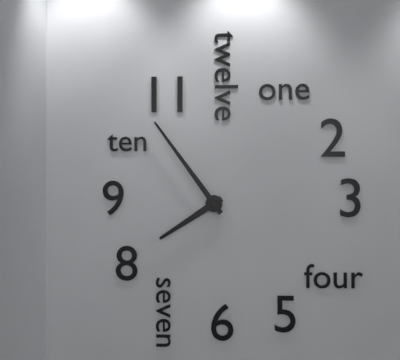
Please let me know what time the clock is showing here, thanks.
7:54
